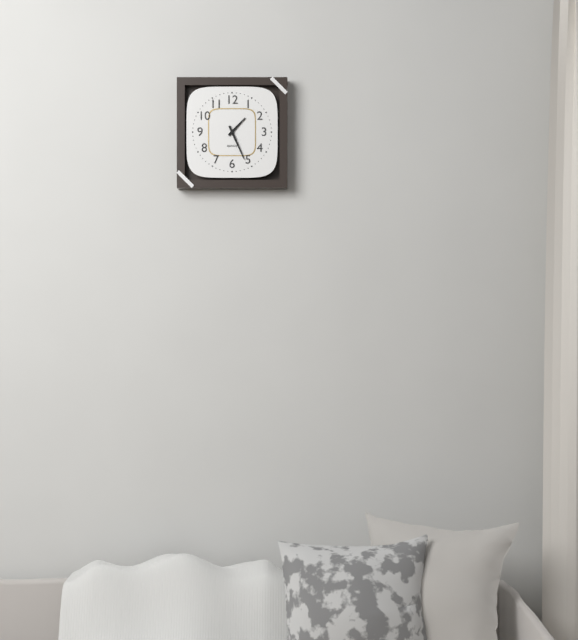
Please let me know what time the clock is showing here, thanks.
1:26
